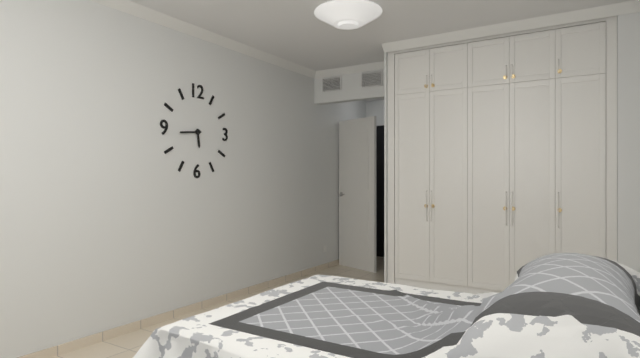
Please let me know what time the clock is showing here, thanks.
5:44
